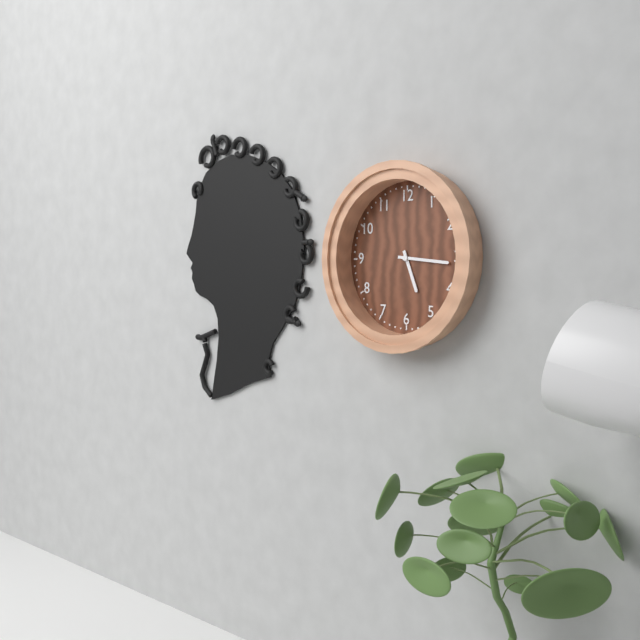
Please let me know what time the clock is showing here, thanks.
5:16
